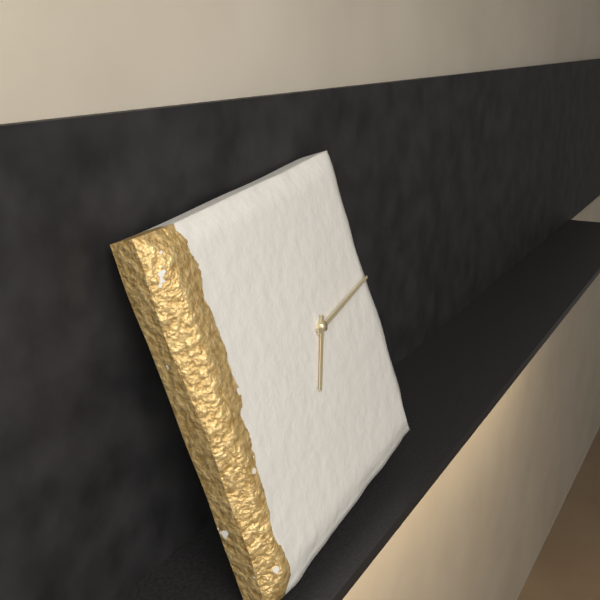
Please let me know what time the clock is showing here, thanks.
7:14
